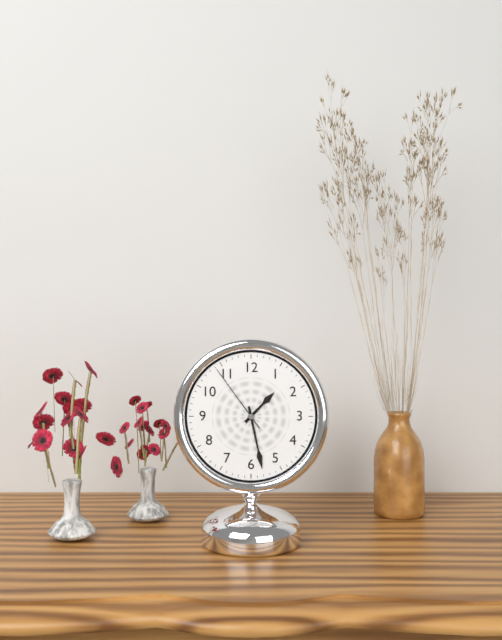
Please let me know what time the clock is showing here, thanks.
1:28:54
